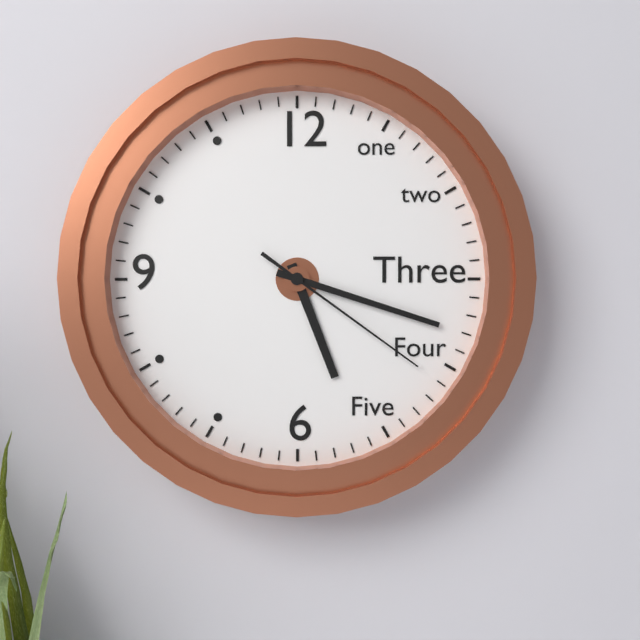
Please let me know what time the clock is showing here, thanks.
5:18:21
